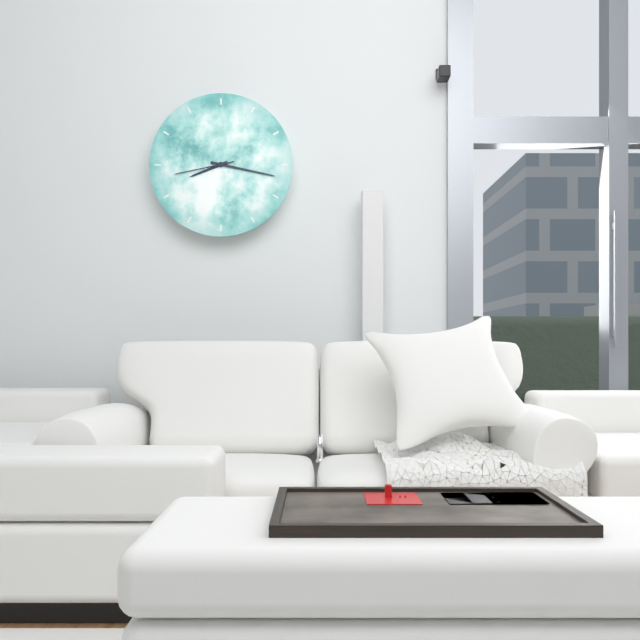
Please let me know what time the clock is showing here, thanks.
8:17:43
